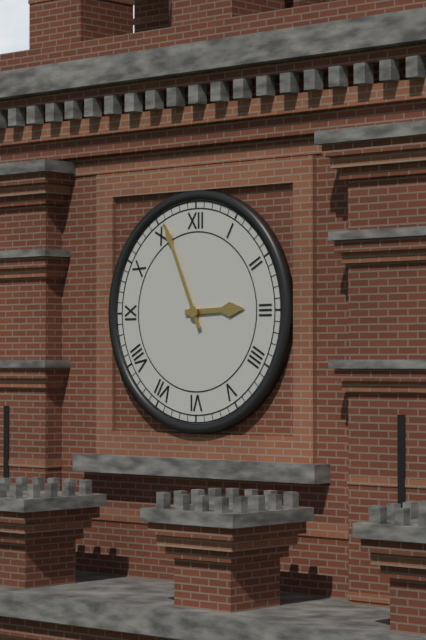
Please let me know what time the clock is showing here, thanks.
2:56
